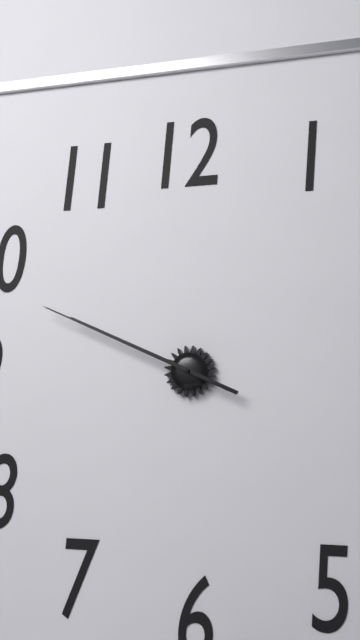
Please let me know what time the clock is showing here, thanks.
9:49
